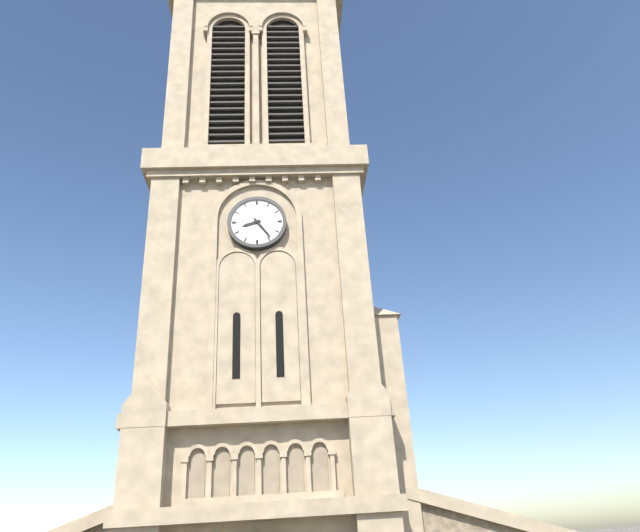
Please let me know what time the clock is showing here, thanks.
8:24
